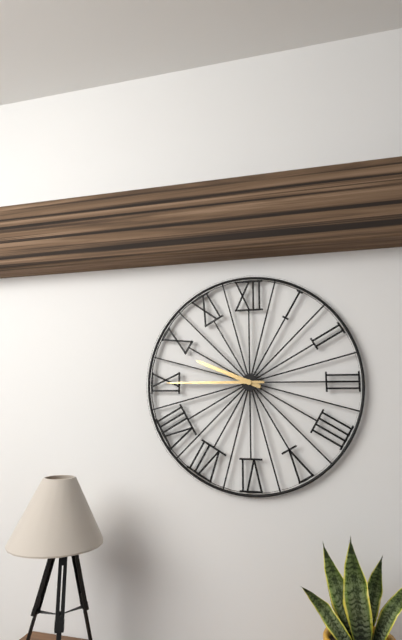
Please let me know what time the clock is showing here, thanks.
9:45
